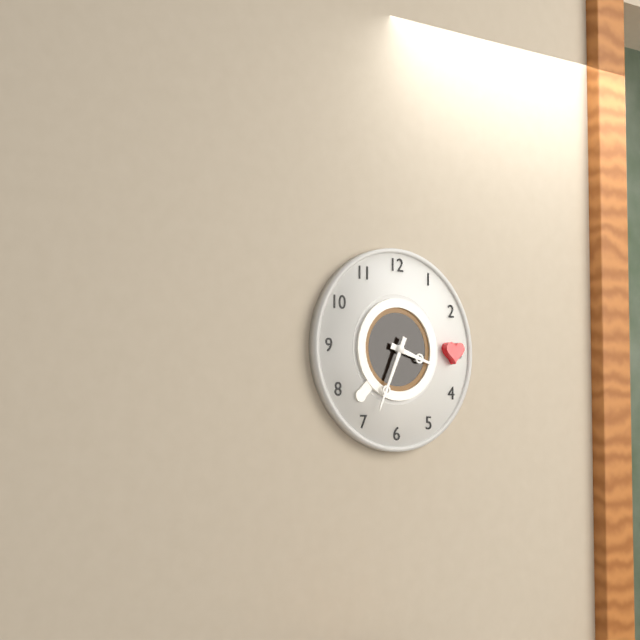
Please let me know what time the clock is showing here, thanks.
3:34
